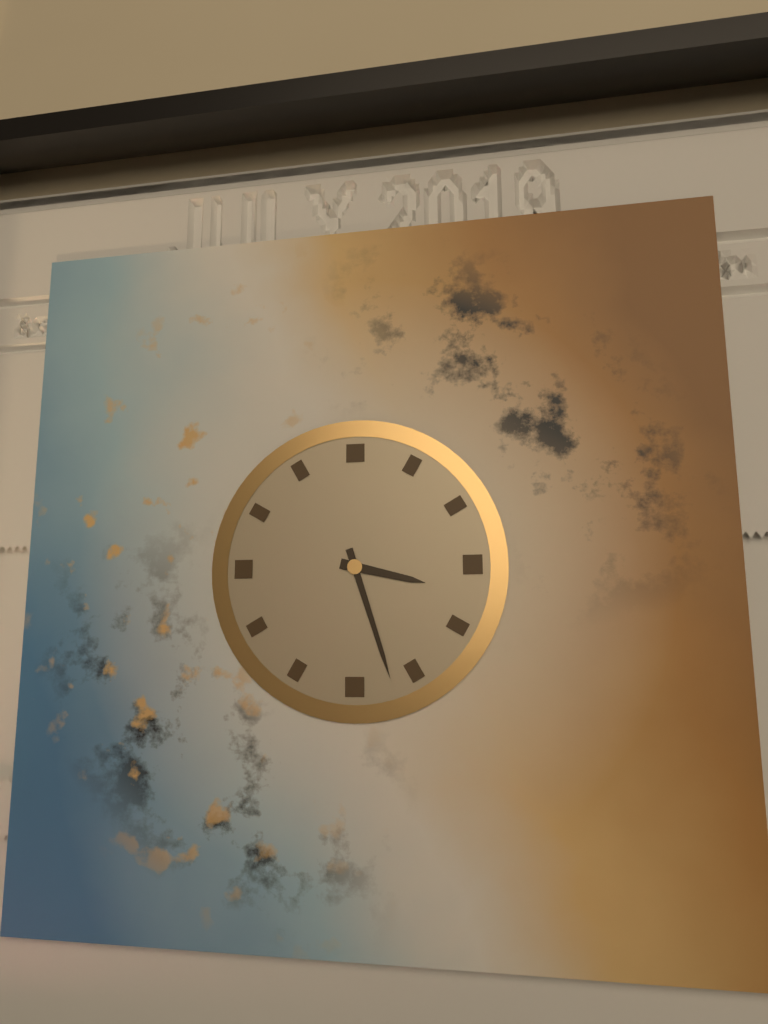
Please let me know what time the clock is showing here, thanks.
3:27
